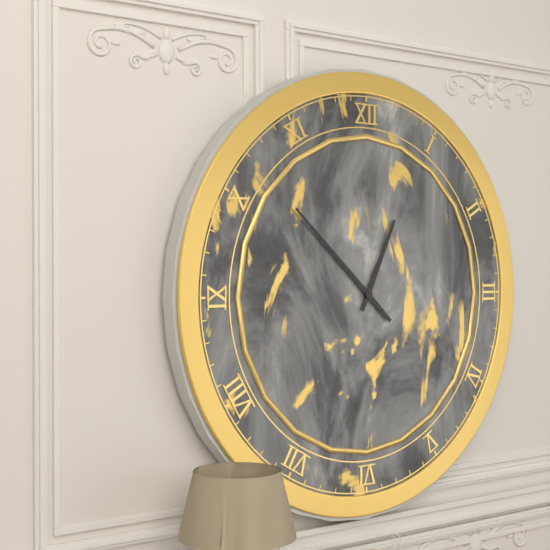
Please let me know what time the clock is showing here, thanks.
12:52
